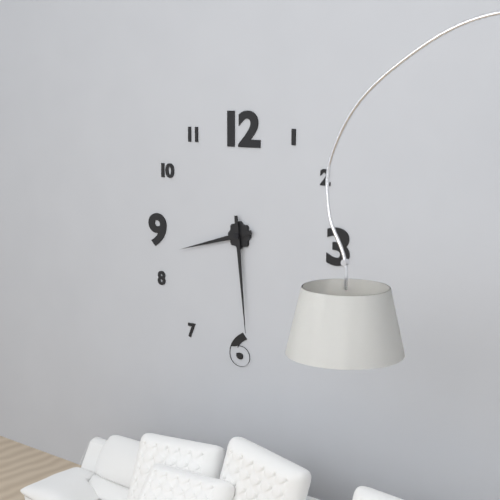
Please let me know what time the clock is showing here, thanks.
8:29
